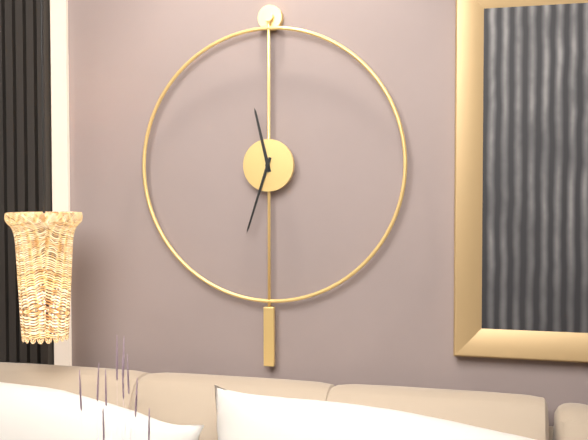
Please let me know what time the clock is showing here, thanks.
11:33
